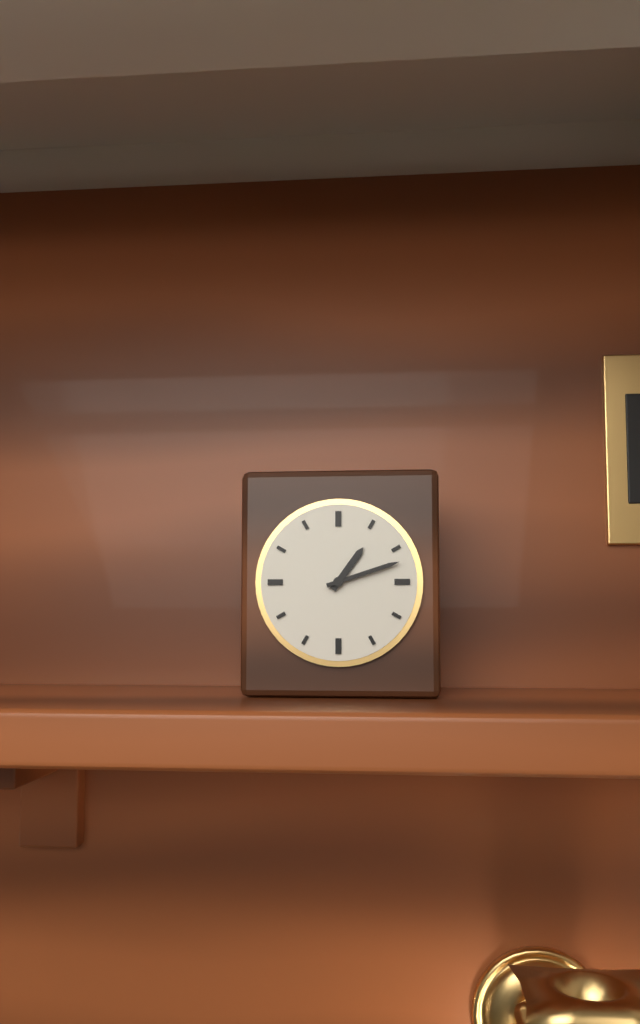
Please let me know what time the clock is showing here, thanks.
1:12
